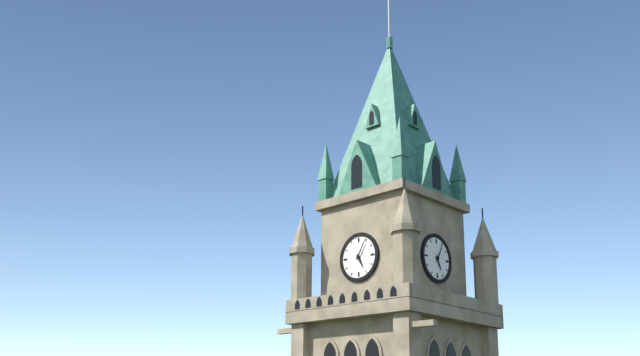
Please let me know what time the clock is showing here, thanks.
5:05
